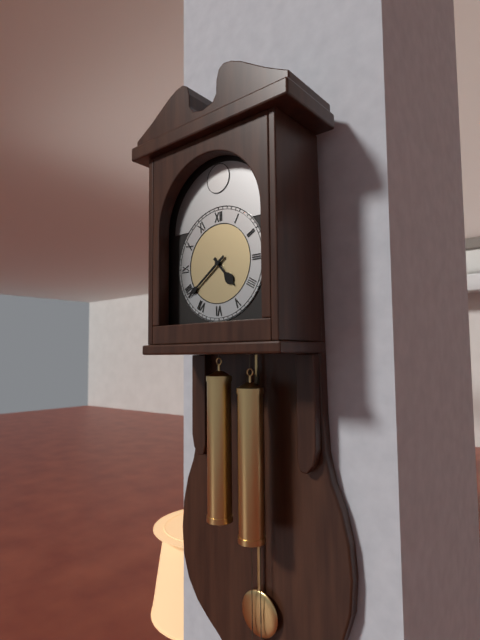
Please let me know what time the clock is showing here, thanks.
4:39
